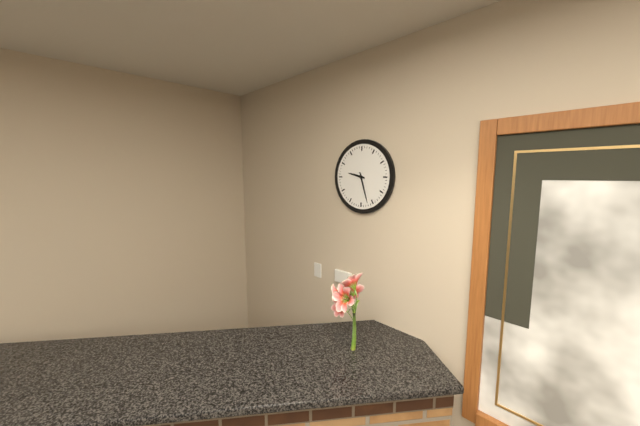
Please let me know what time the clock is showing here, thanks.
9:27
